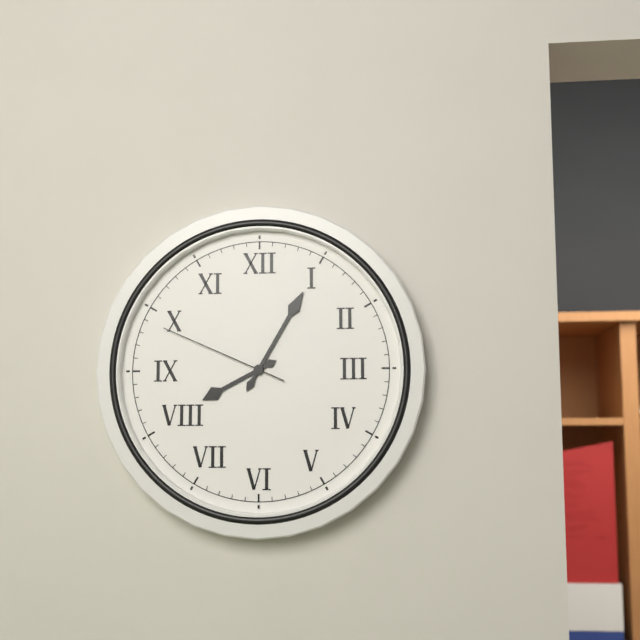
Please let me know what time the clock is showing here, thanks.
8:05:49
